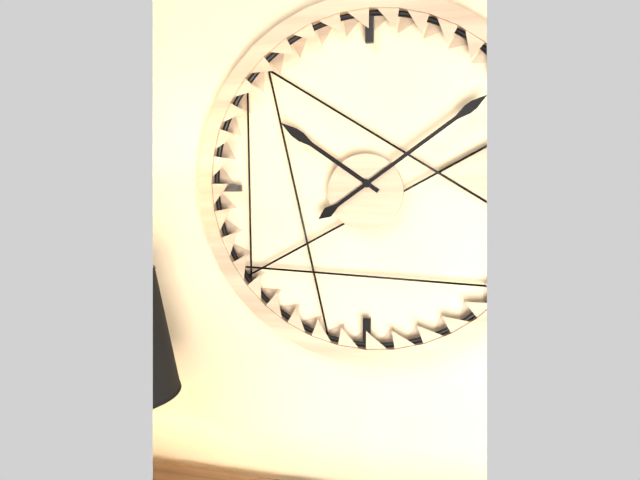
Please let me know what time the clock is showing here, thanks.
10:09
